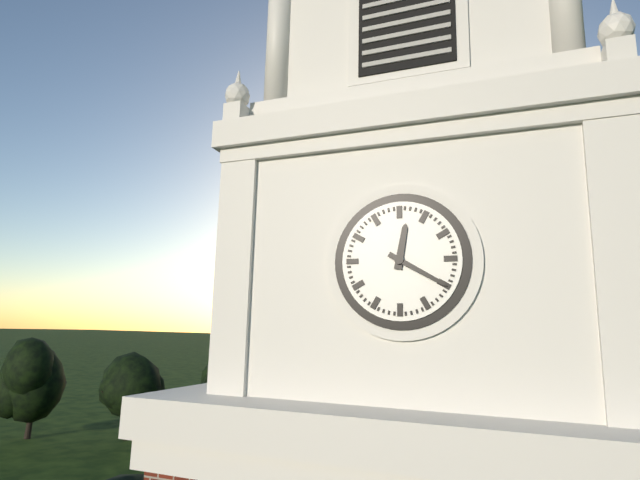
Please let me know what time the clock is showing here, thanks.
12:20
